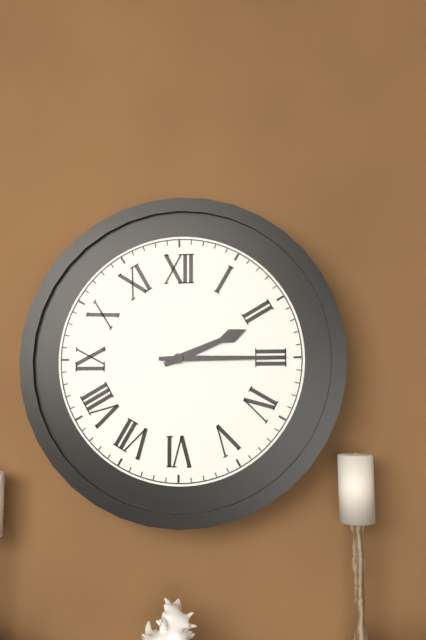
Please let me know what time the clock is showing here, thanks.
2:15
